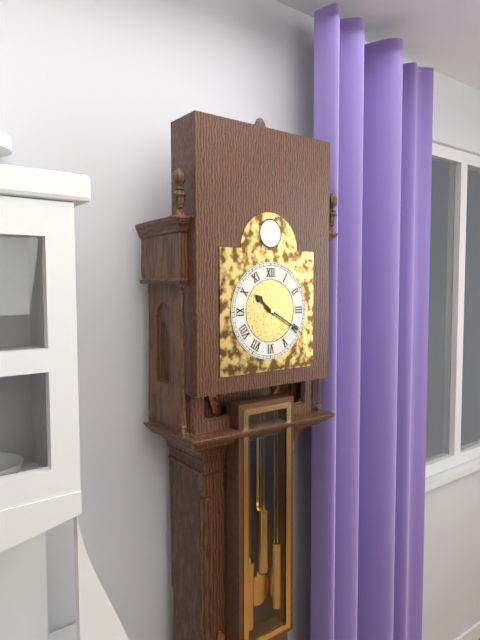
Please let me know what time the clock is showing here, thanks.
10:20
